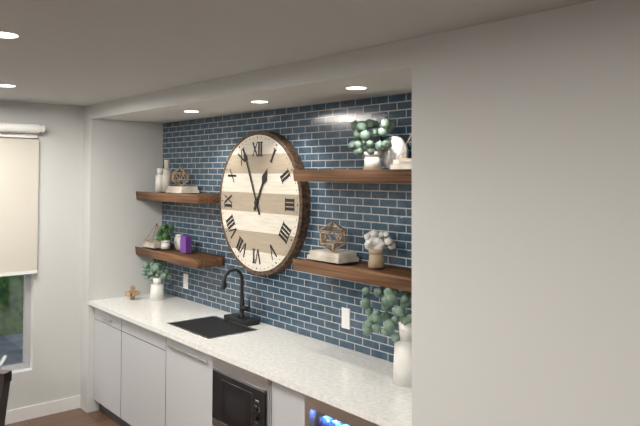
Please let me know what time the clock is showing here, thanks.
12:56
